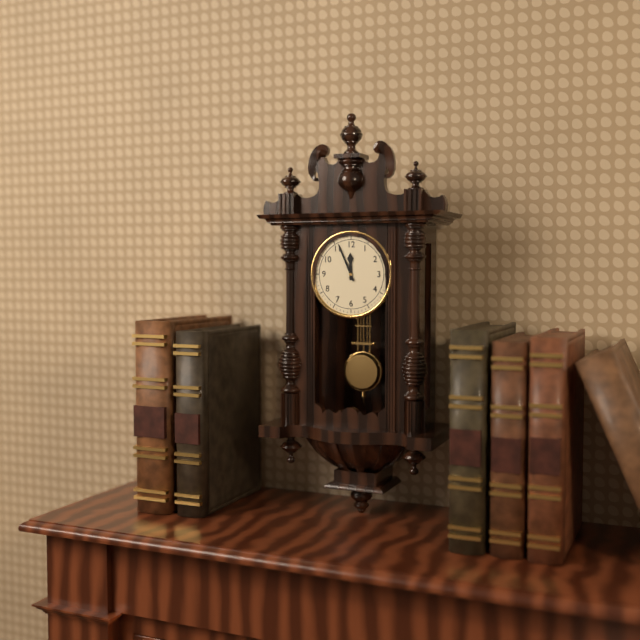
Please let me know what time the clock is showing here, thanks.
11:56
